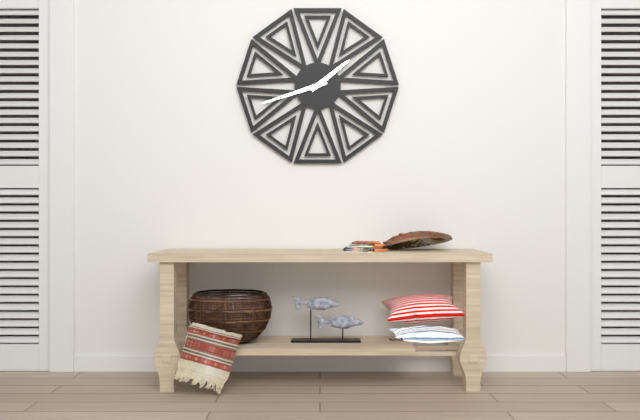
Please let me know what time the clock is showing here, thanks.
1:42
